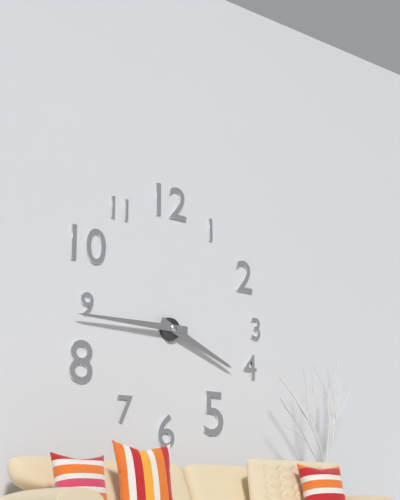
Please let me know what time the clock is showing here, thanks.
3:45
